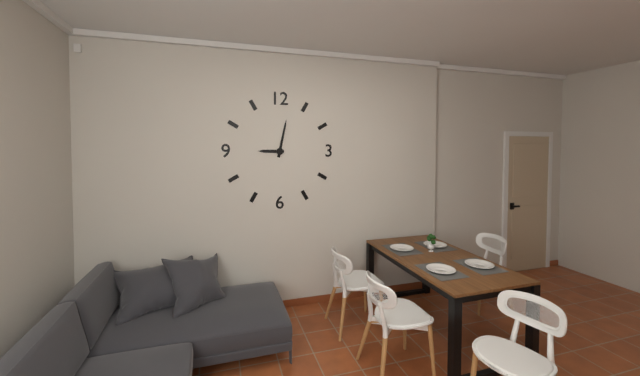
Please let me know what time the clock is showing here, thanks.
9:02
